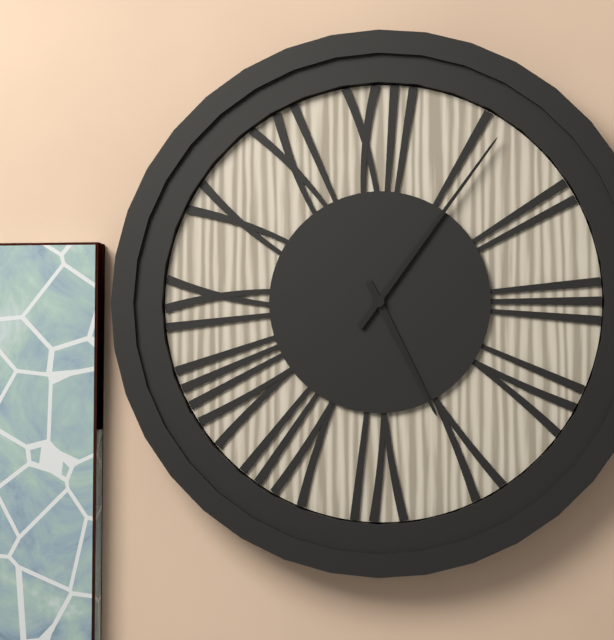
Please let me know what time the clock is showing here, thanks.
5:06
